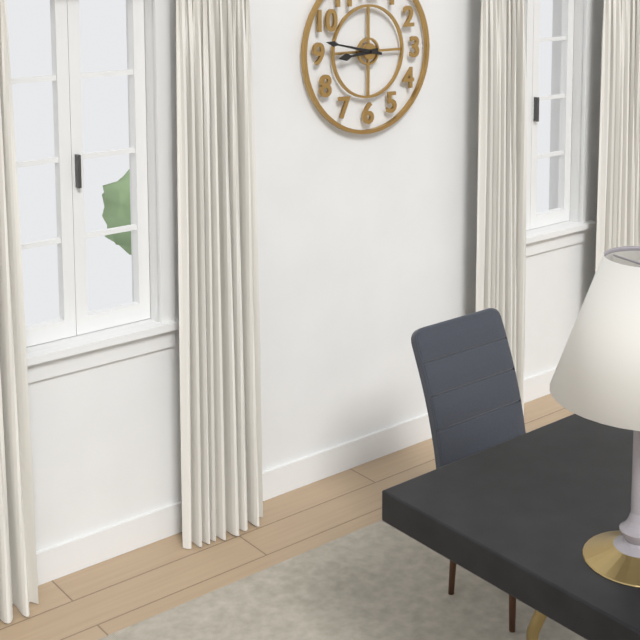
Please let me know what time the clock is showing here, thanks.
8:47
